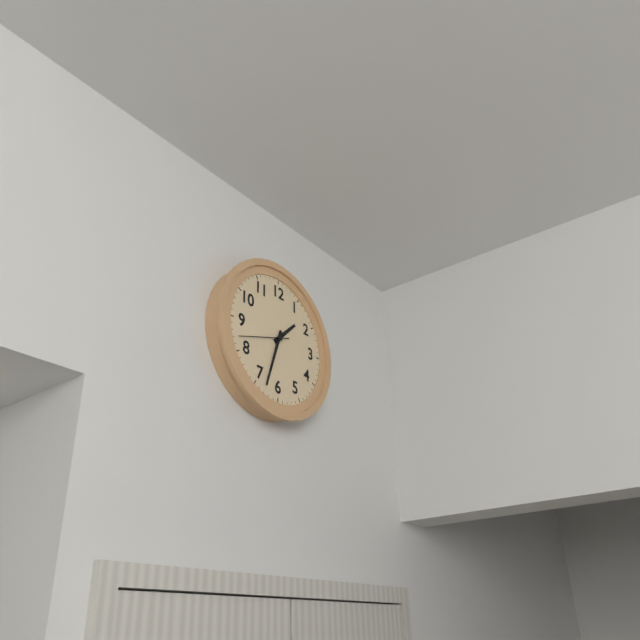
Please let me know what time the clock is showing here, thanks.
1:33:42
